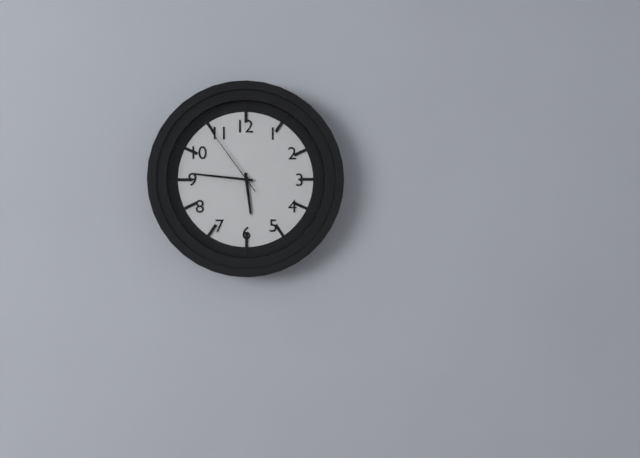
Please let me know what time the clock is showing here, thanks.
5:46:54
